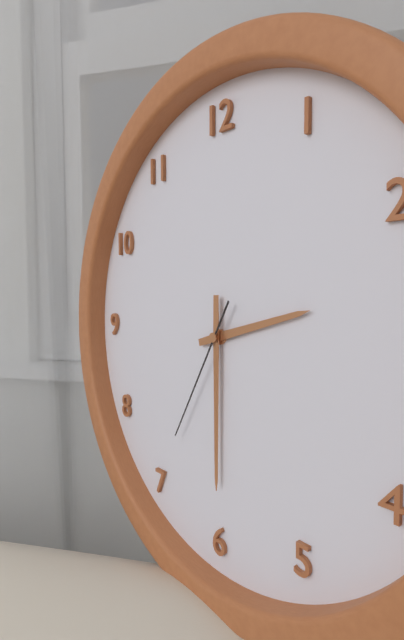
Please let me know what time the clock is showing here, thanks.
2:30:35
